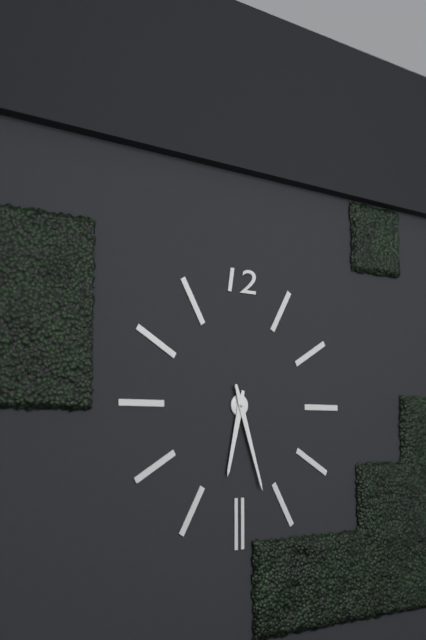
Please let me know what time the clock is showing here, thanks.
6:27
